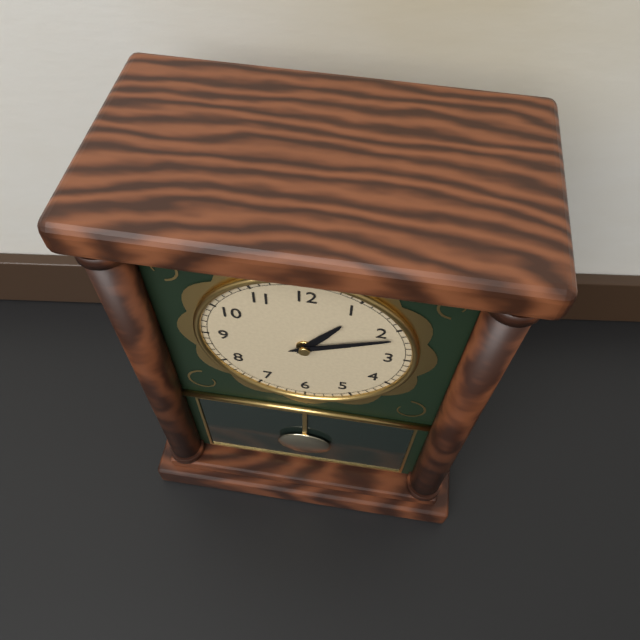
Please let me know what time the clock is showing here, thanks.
1:11
